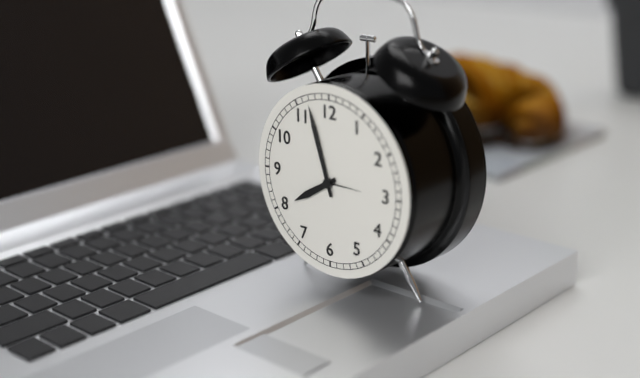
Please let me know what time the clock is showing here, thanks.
7:57
